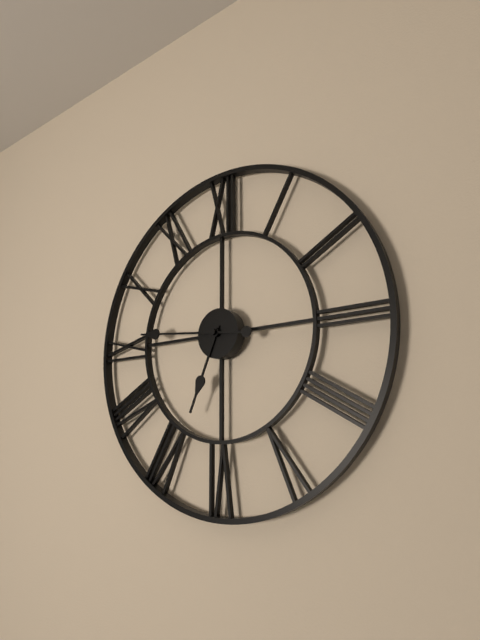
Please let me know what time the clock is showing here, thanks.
6:46
